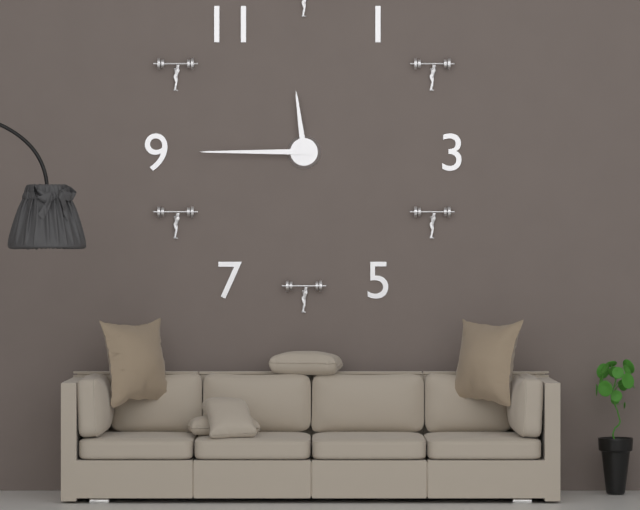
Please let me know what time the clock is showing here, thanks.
11:45
